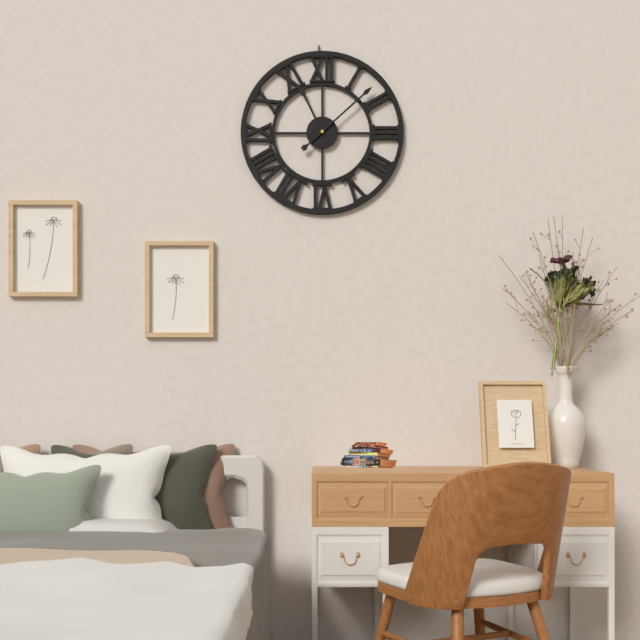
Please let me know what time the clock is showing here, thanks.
11:08
